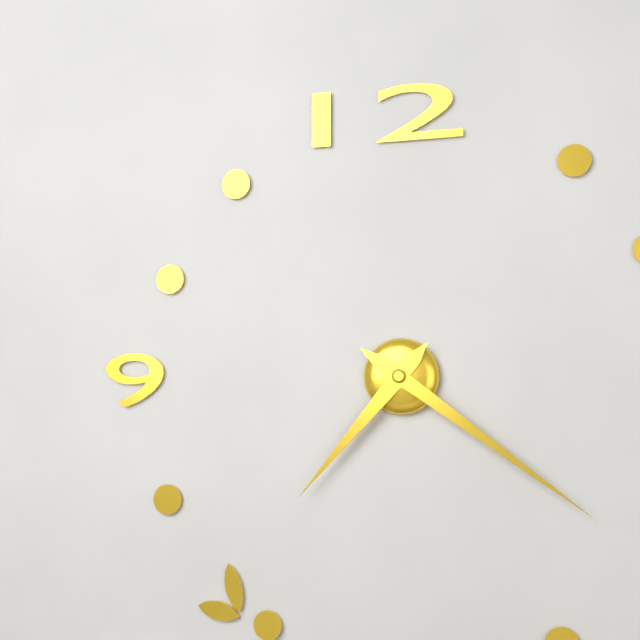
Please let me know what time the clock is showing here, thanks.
7:21
